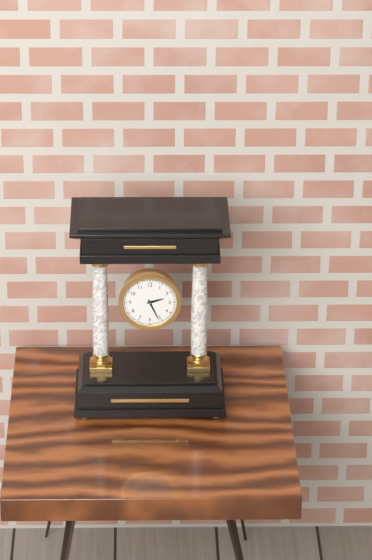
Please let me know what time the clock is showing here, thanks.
2:26
